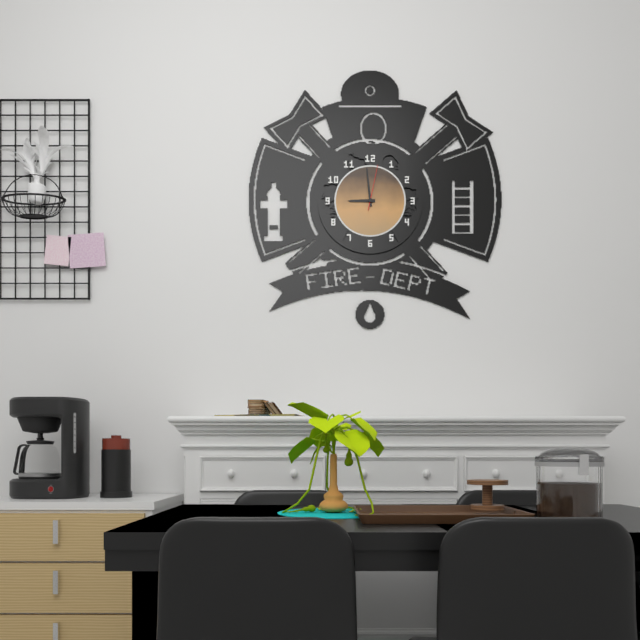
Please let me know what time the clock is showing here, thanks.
8:59
